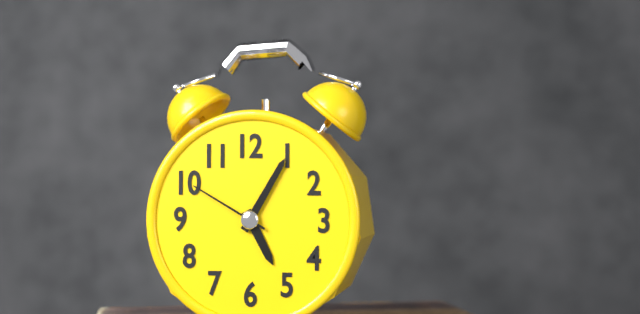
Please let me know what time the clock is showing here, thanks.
5:05:50
